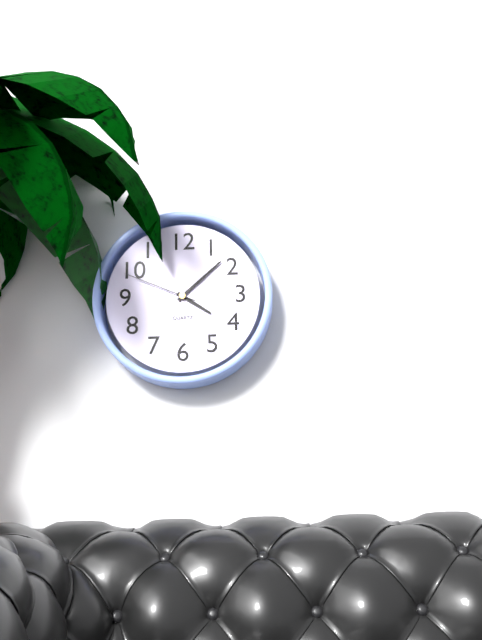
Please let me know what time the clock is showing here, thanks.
4:08:49
